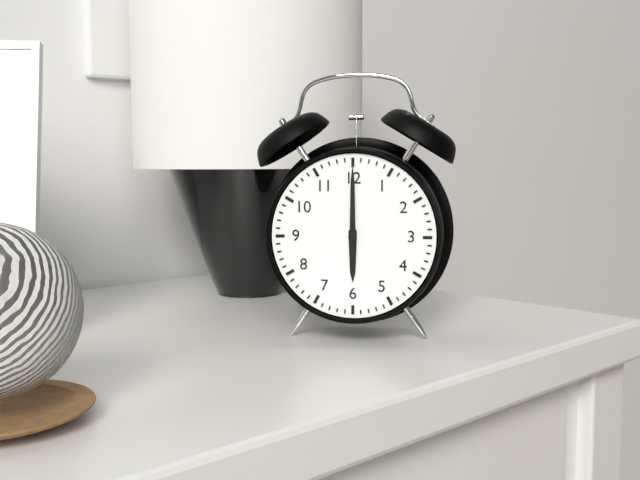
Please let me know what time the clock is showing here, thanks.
6:00
